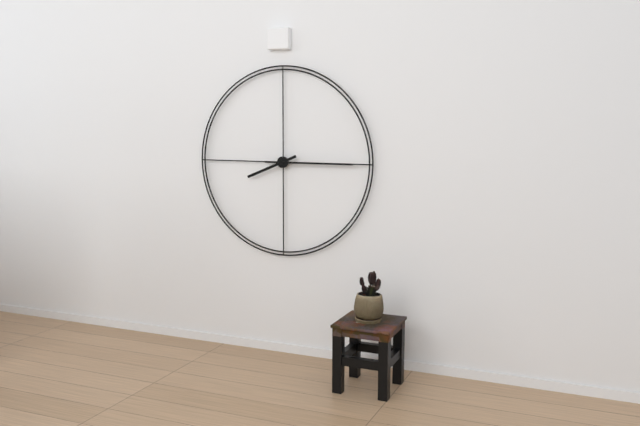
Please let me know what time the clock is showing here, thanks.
8:15
